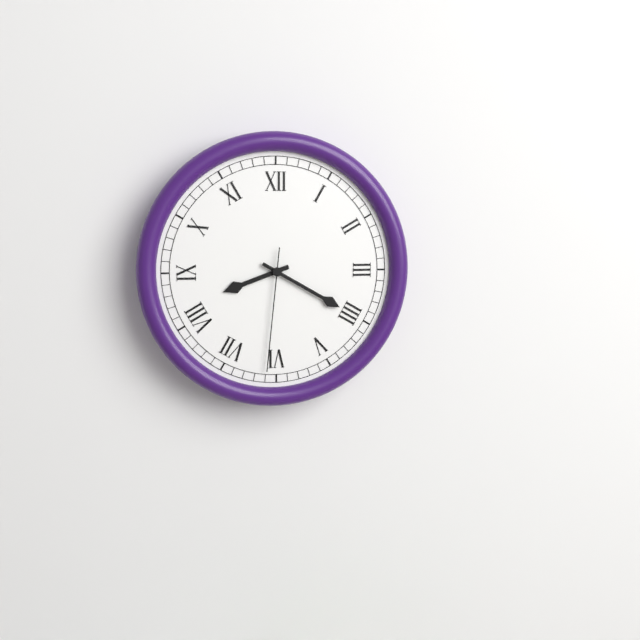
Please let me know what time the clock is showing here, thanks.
8:20:31
